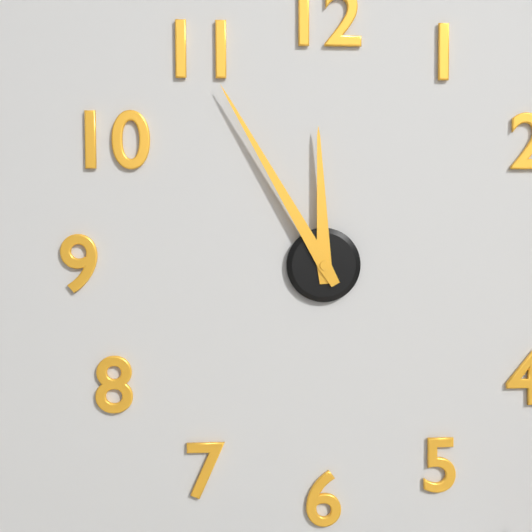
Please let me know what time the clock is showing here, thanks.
11:55
